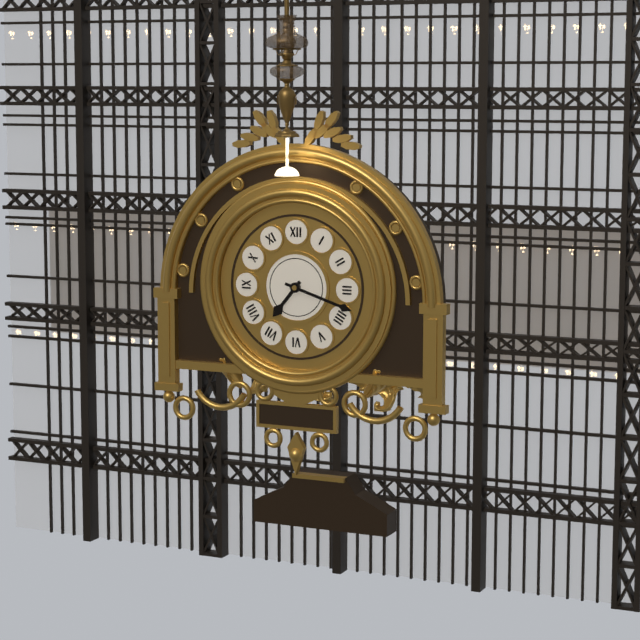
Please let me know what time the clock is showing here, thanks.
7:18
